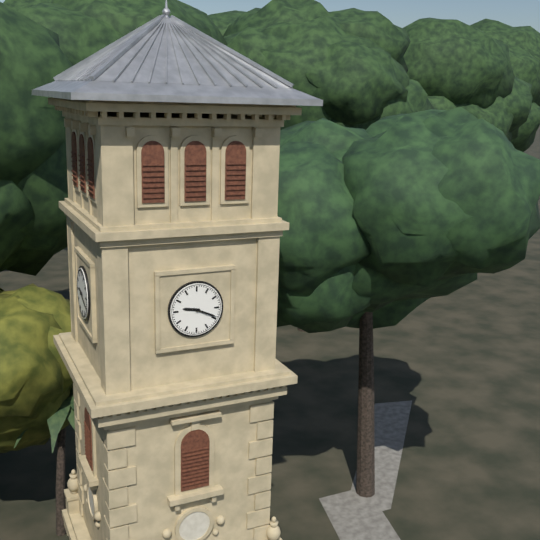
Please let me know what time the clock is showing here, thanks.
9:19
